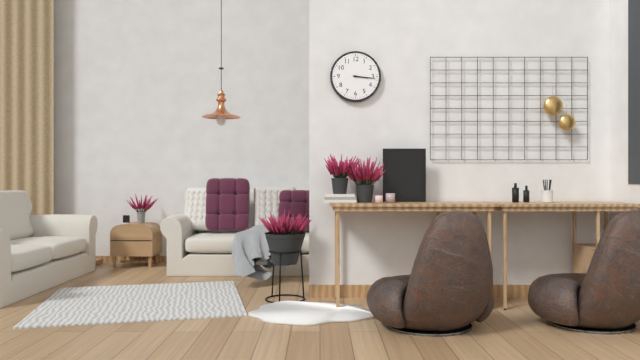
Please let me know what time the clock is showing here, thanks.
3:16
